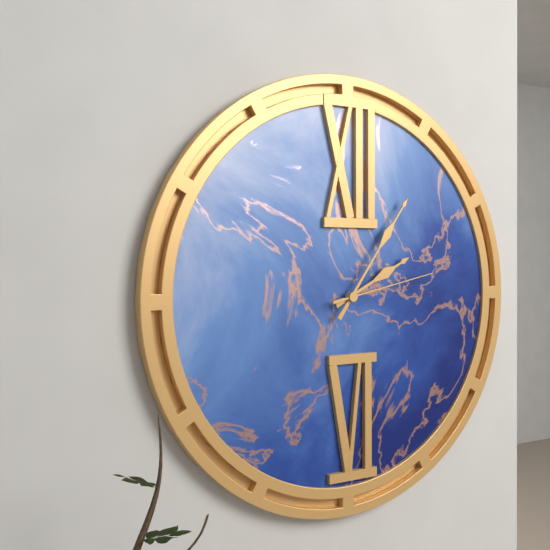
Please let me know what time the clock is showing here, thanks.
2:06:13
